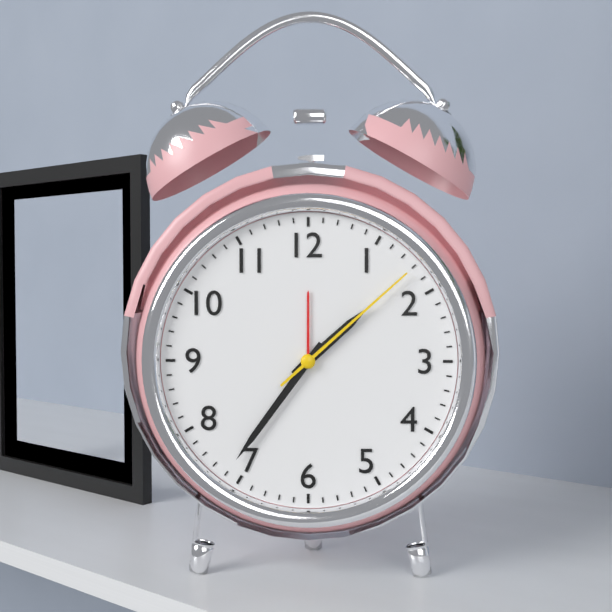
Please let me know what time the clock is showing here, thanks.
1:36:08
